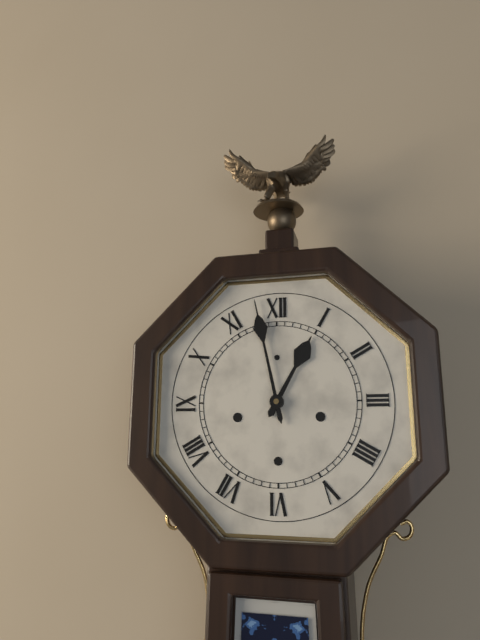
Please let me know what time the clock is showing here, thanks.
12:58
